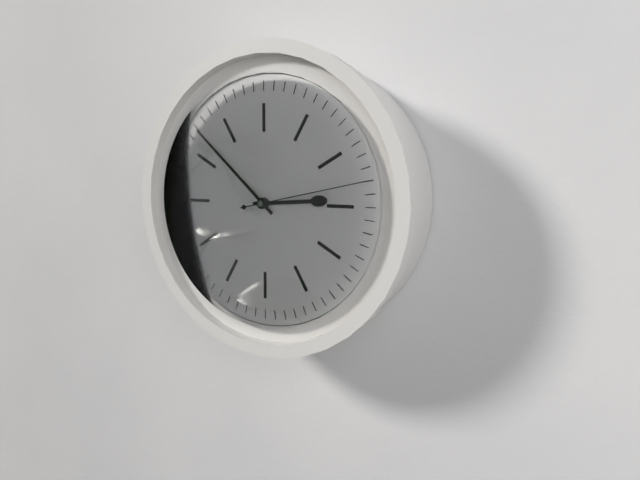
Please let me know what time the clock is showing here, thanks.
2:52:13
